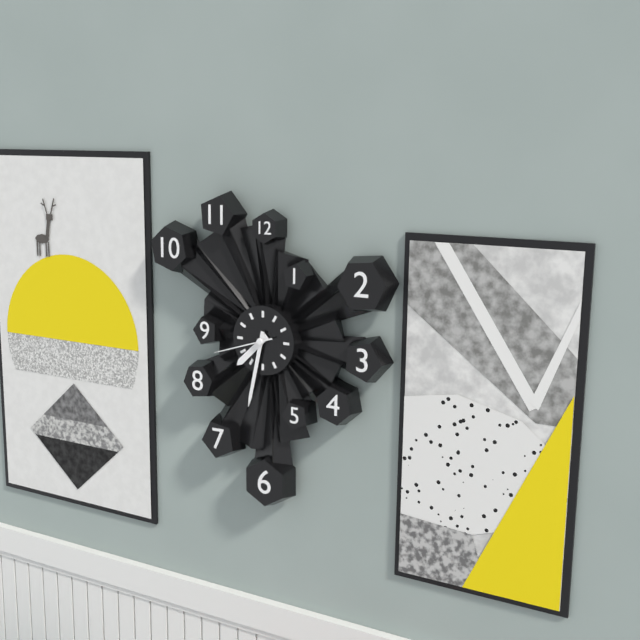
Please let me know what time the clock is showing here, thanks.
7:32:42
